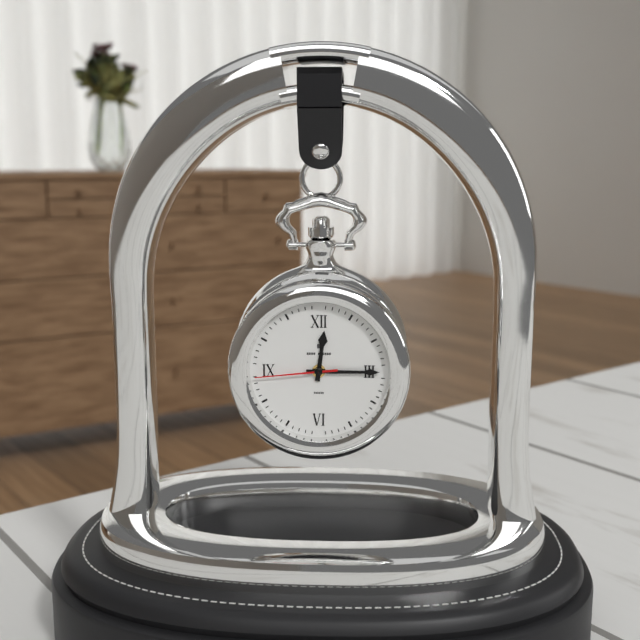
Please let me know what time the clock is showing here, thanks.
12:15:44
